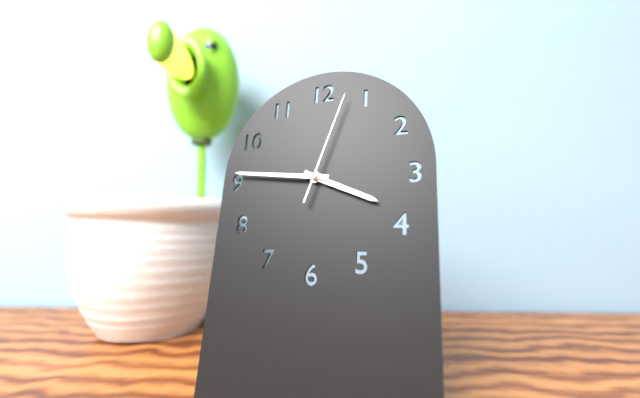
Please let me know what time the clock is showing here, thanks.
3:46:03
